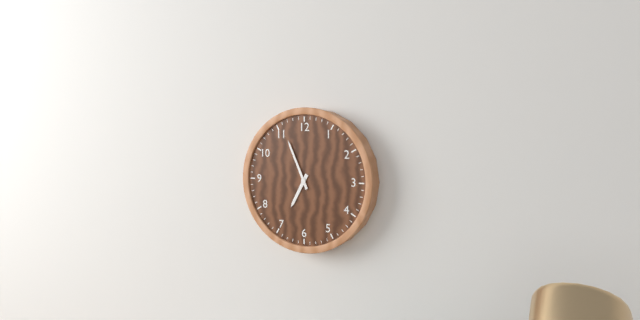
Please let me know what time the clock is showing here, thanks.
6:56
